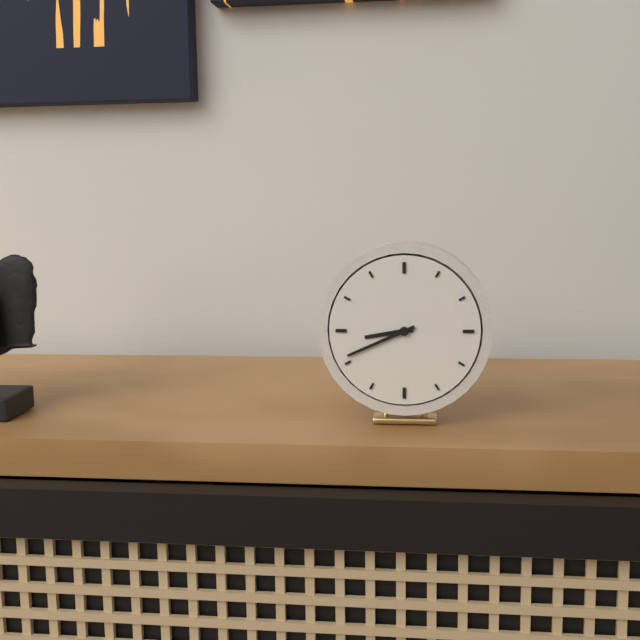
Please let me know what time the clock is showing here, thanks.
8:41
